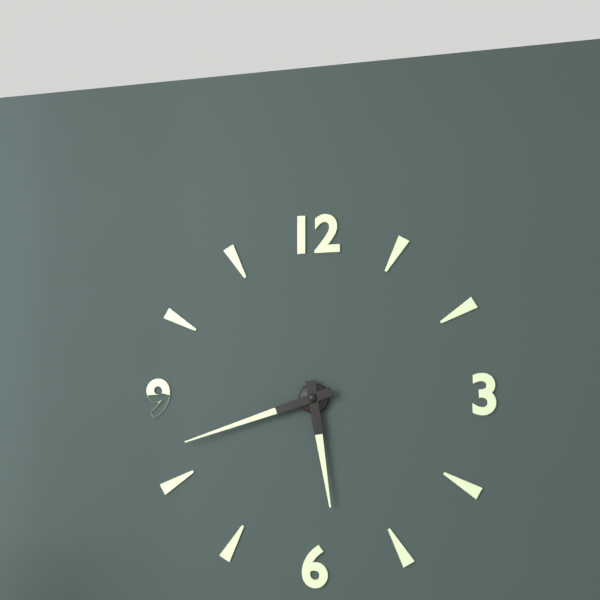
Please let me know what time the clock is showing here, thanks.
5:42
